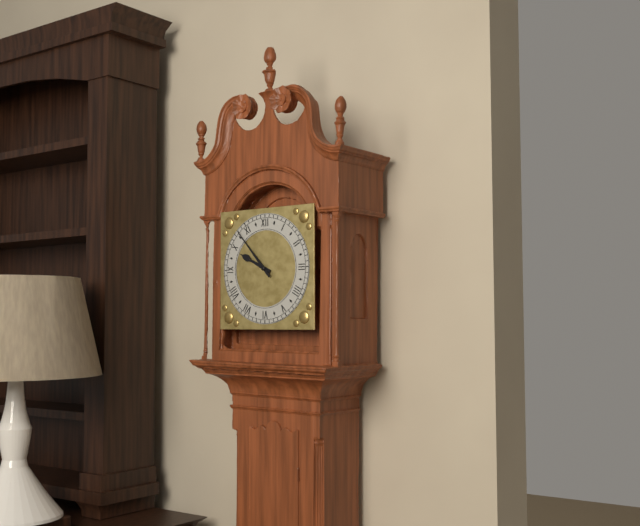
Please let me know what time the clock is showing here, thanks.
9:53
